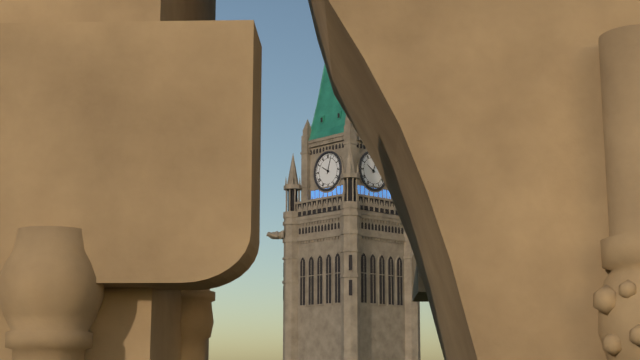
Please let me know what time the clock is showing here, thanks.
10:03
